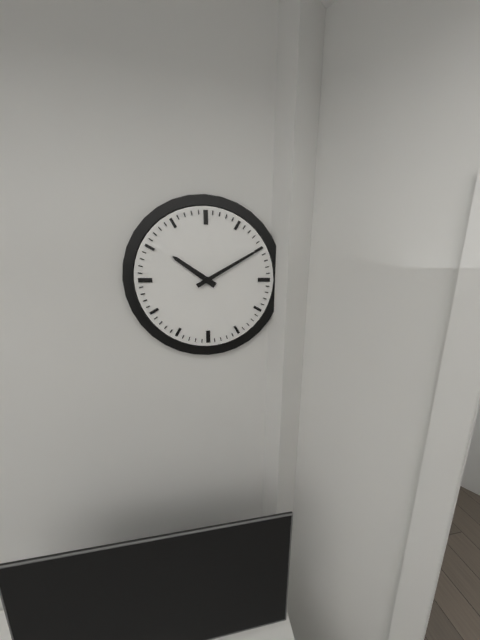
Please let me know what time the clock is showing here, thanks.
10:10
